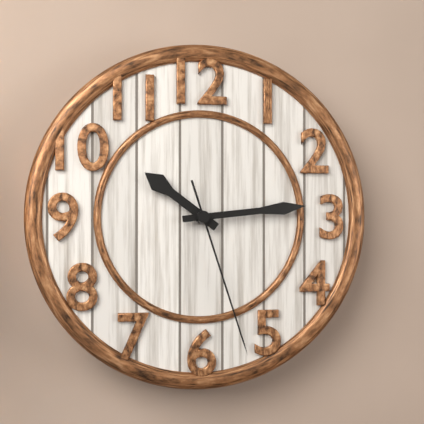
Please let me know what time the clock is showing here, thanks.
10:14:27
